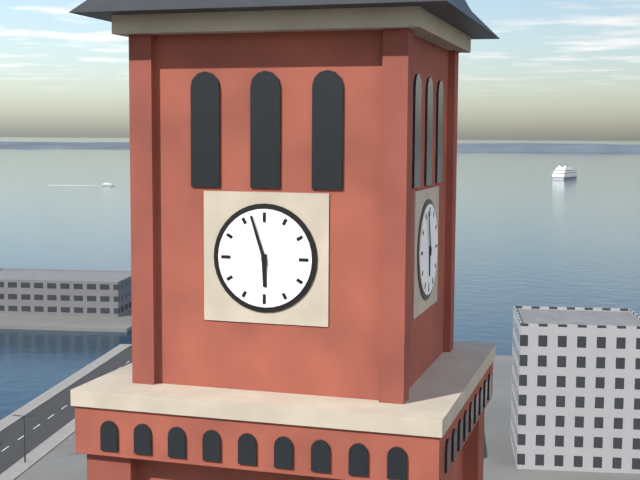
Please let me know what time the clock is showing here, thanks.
5:57
